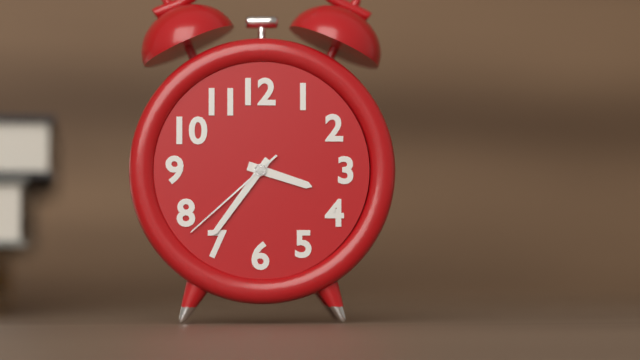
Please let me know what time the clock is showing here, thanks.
3:36:38
